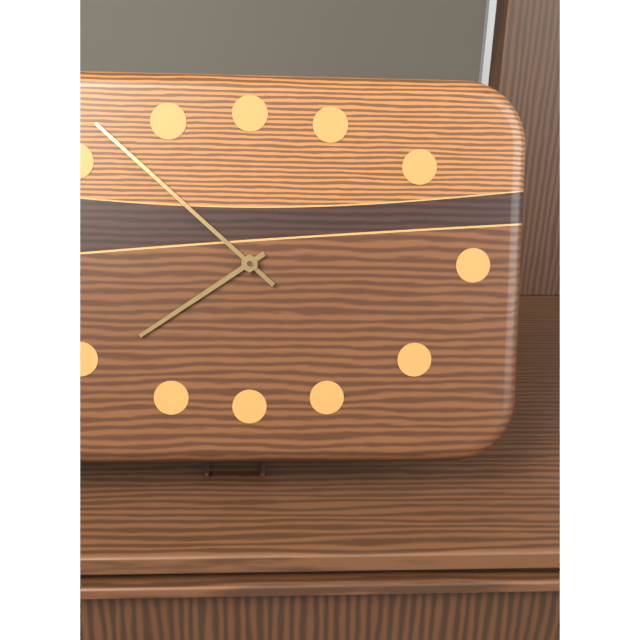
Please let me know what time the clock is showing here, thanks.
7:52
